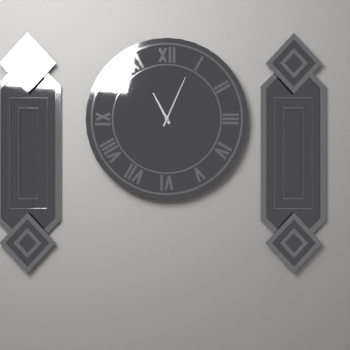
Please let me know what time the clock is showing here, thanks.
11:04
